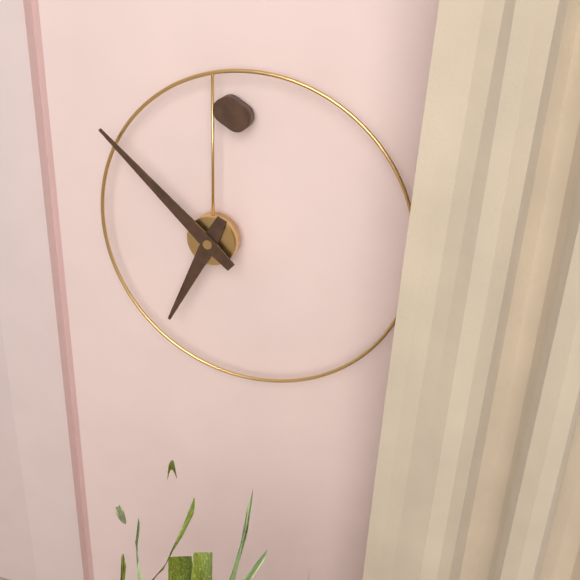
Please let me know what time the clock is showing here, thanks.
6:52
